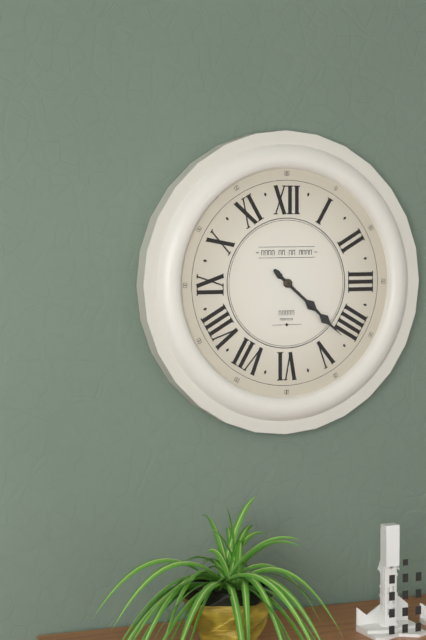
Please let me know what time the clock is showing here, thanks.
4:22
